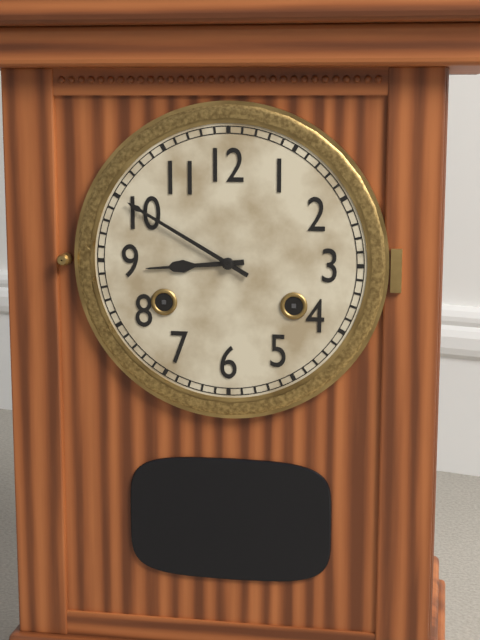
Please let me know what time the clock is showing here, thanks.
8:50
